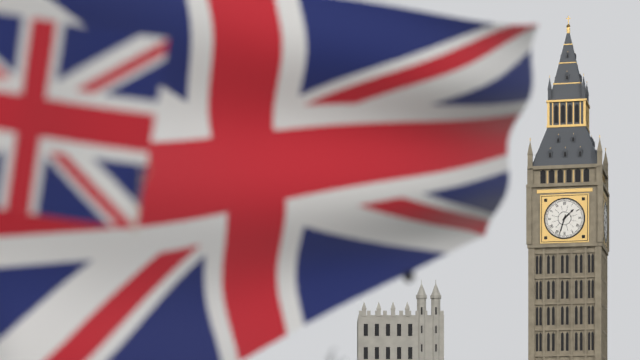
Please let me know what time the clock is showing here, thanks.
1:33
